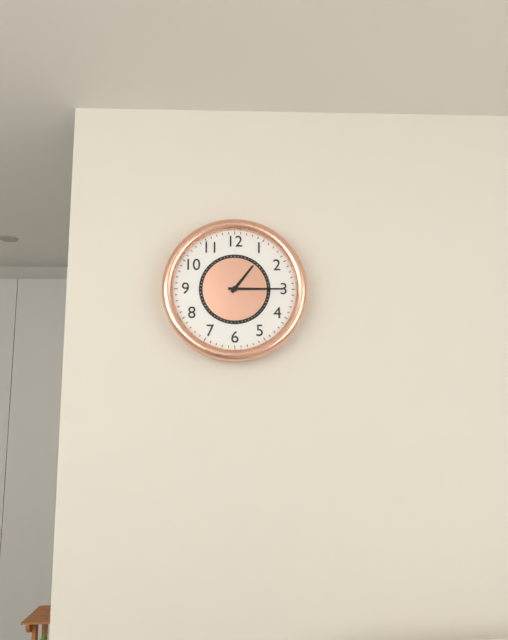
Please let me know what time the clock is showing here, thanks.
1:15
